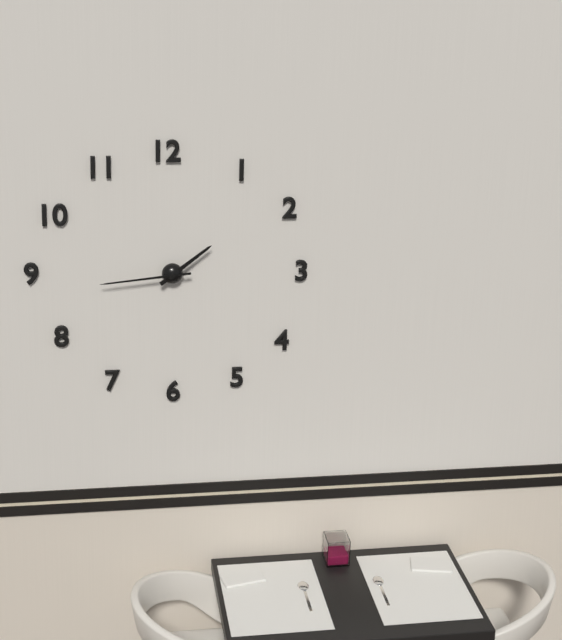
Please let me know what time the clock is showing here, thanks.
1:44
